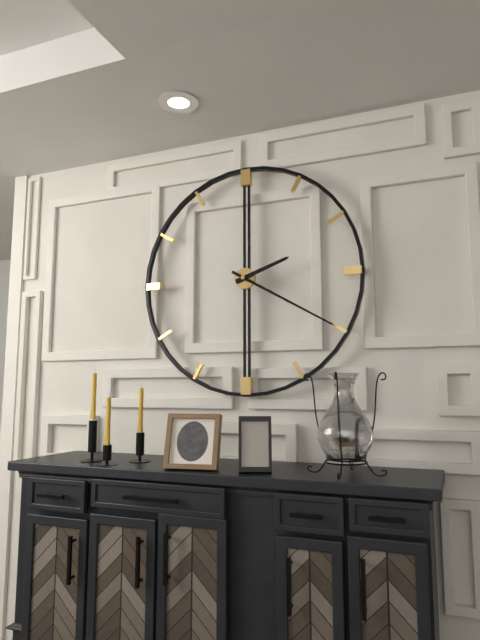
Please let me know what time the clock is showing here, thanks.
2:20
